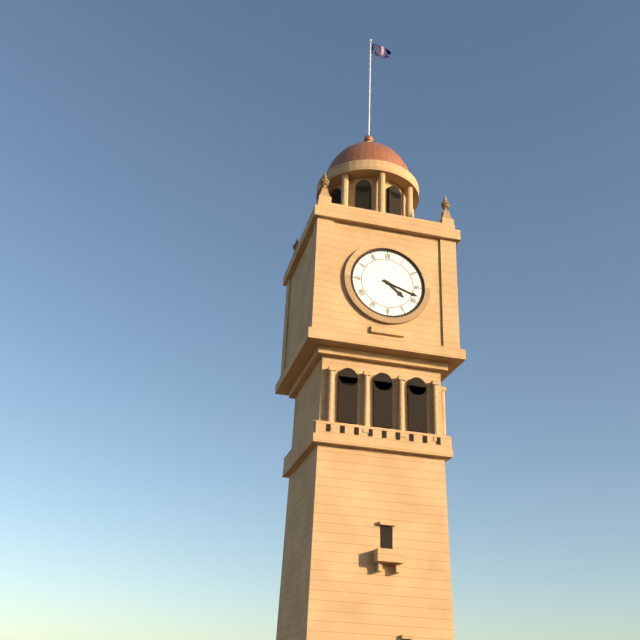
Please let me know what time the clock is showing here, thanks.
4:18
